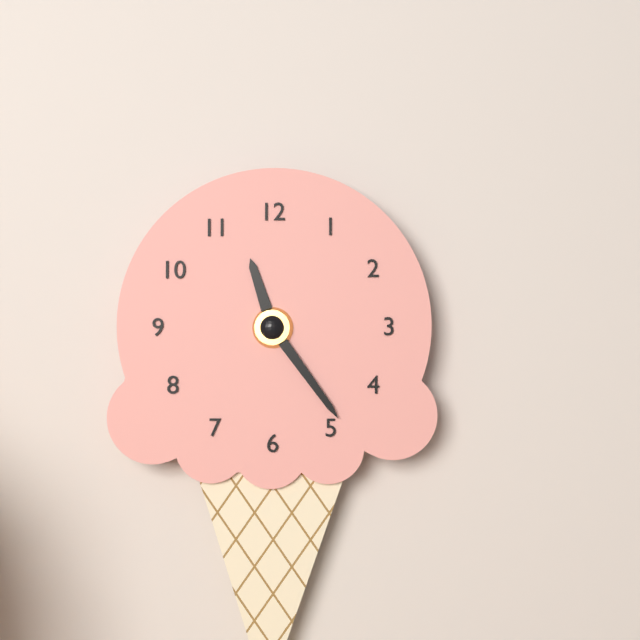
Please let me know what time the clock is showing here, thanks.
11:24
